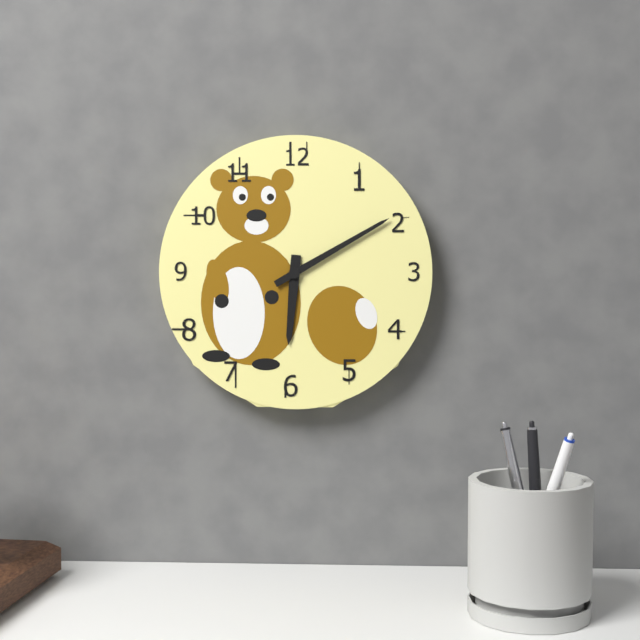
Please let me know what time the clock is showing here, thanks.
6:10
